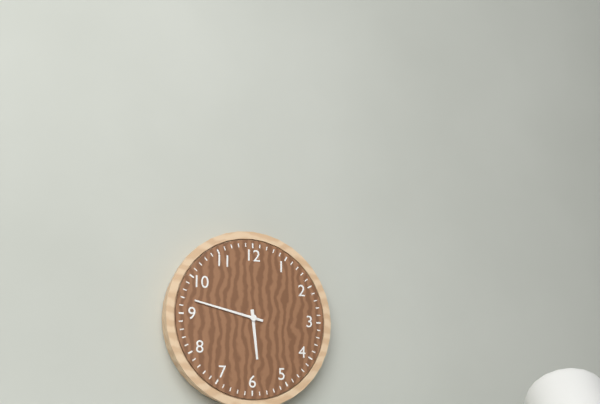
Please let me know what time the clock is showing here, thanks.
5:47
